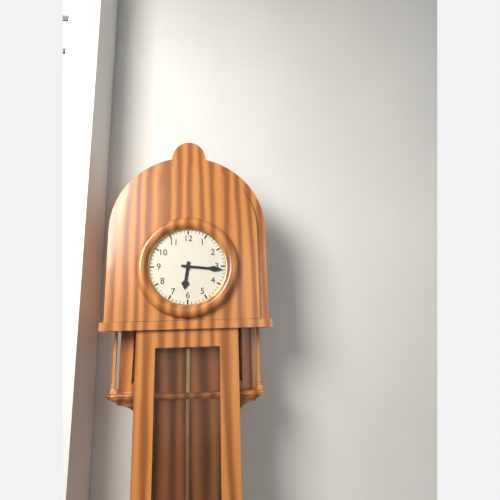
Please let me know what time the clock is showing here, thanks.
6:16
